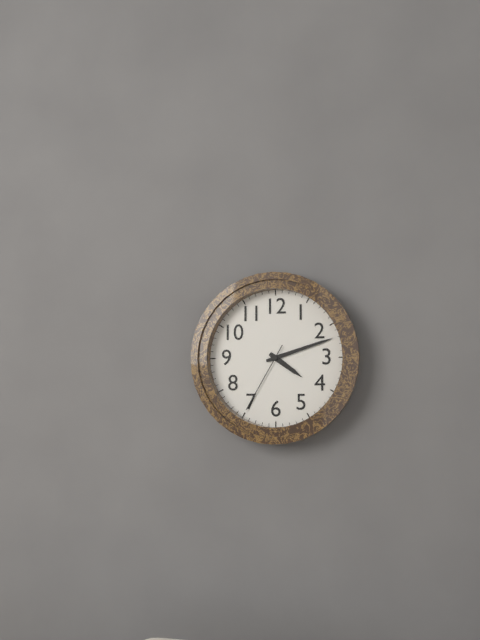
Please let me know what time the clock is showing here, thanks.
4:12:35
